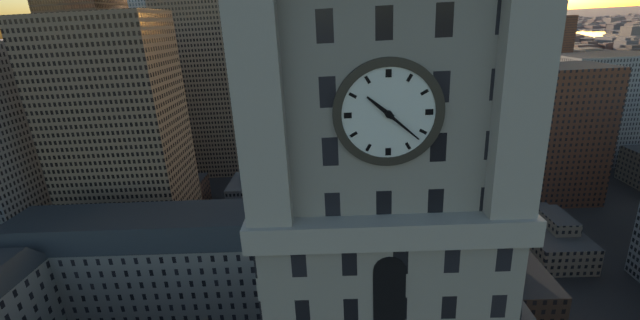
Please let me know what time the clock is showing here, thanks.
10:22
